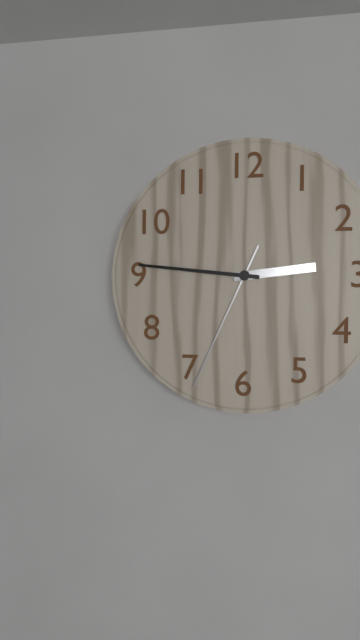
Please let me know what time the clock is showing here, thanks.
2:46:34
